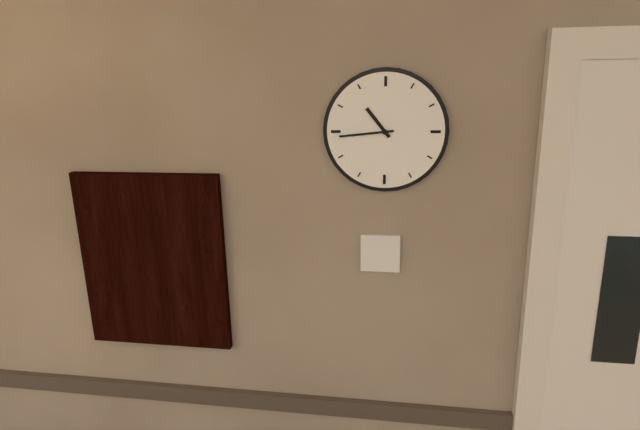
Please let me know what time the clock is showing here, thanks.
10:44
